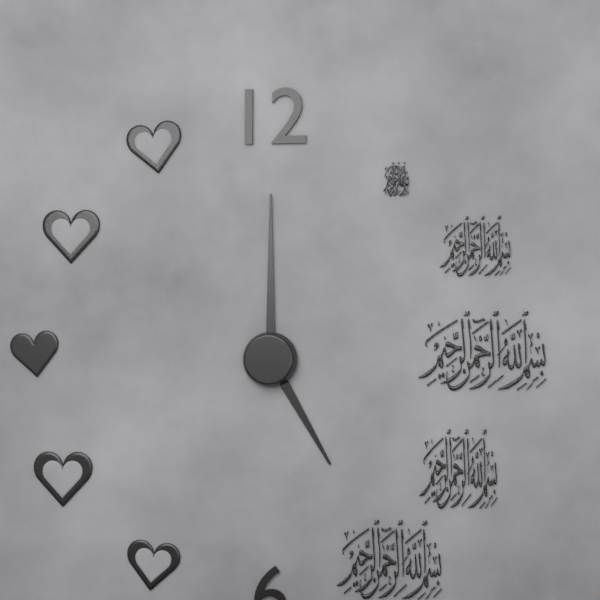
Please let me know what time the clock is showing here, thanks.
5:00
